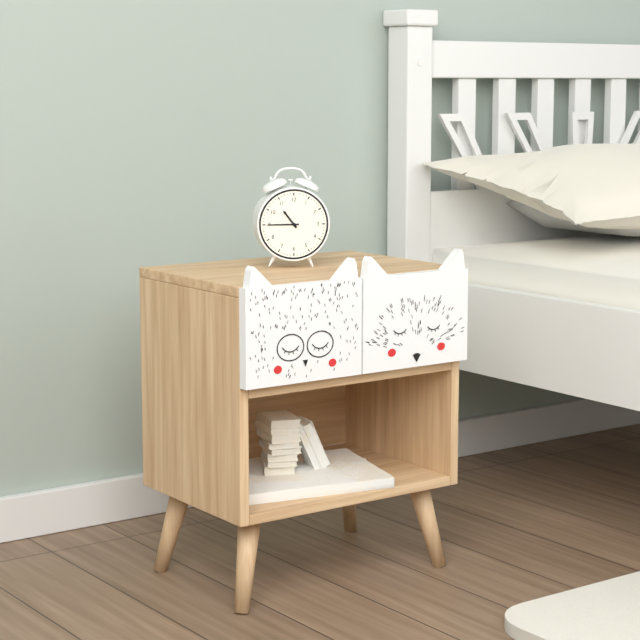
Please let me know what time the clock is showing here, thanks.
10:45
